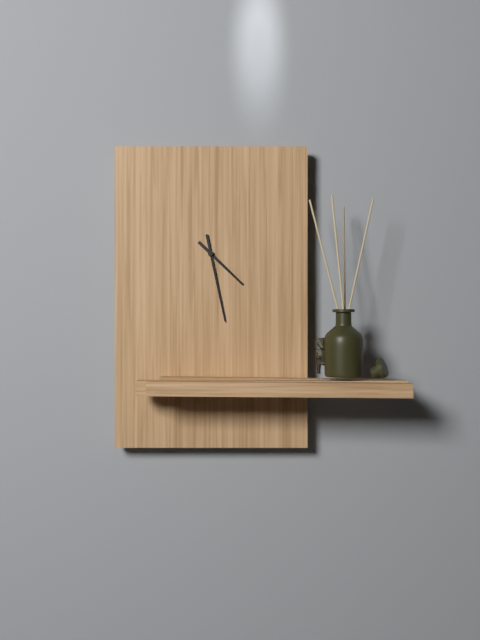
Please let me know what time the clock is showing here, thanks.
4:28
